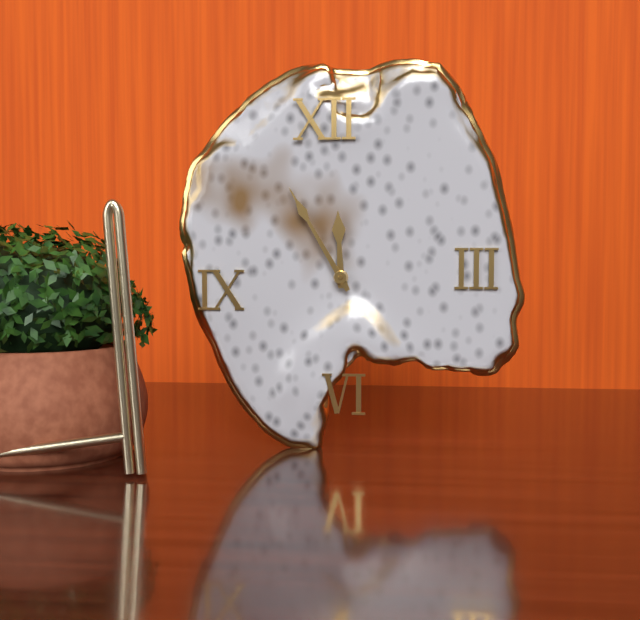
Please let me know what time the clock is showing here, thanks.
11:55
